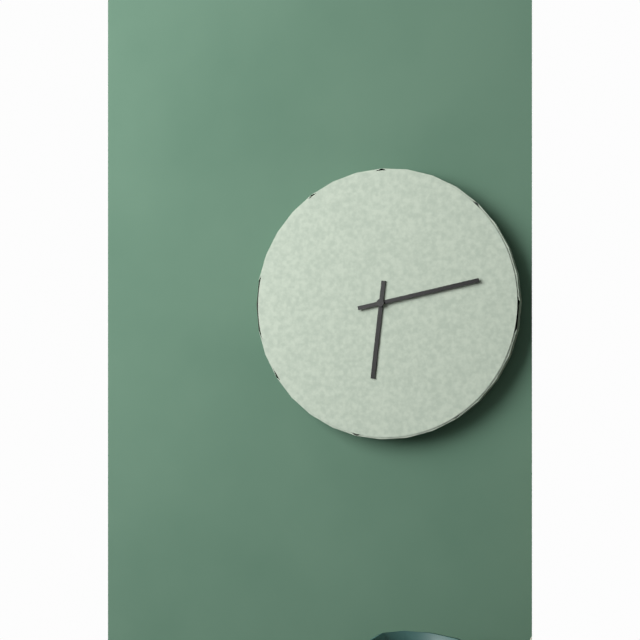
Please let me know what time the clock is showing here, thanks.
6:13
